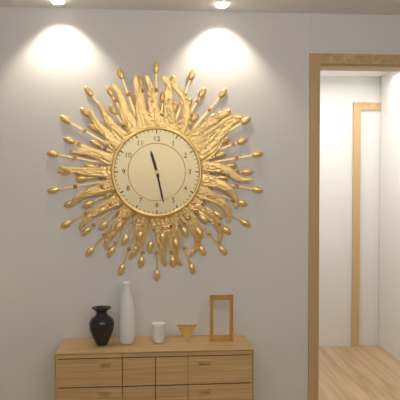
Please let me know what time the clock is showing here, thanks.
11:28
